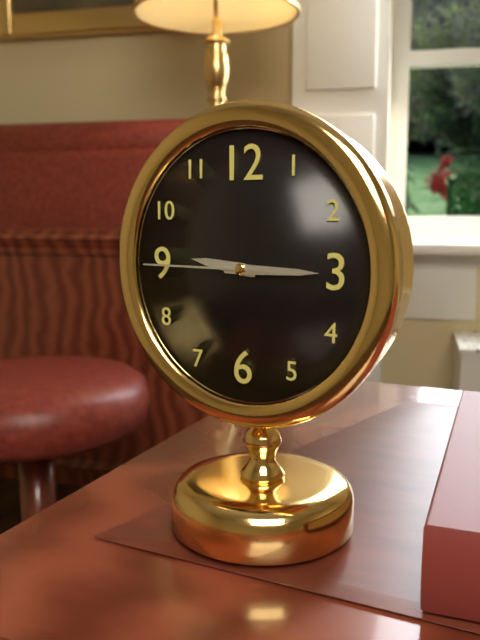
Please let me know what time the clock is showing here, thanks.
9:15:45
